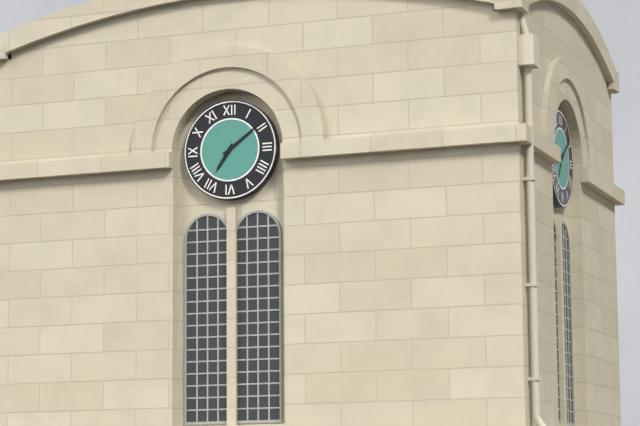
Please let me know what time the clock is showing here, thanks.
7:09
